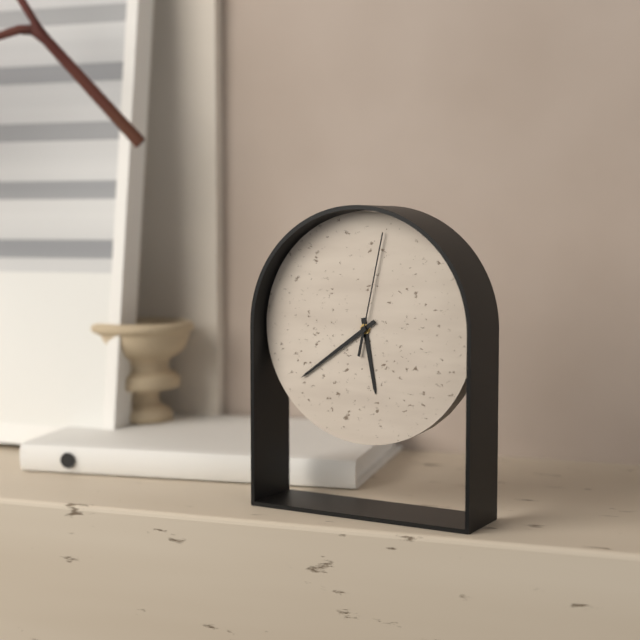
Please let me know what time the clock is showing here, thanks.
5:39:02
